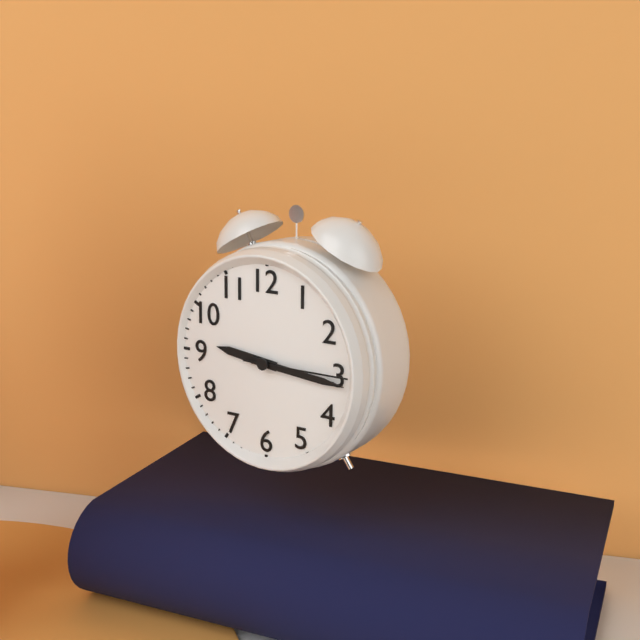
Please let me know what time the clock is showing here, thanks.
9:16:15
